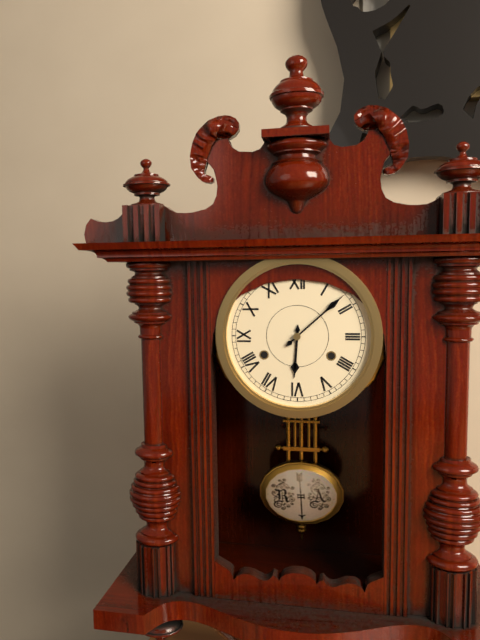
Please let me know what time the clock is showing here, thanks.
6:08
